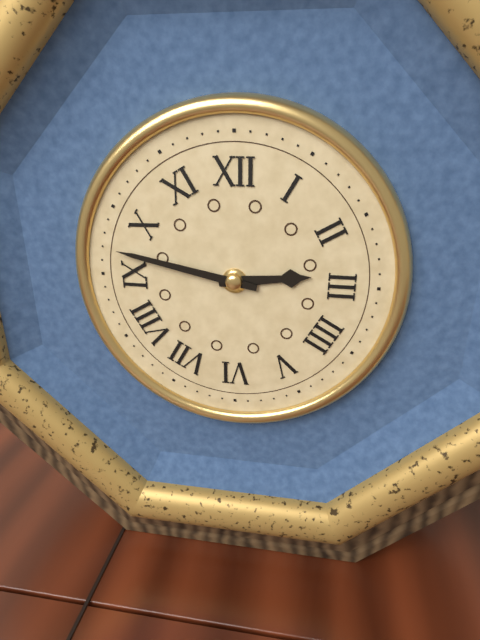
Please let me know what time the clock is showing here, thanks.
2:47
